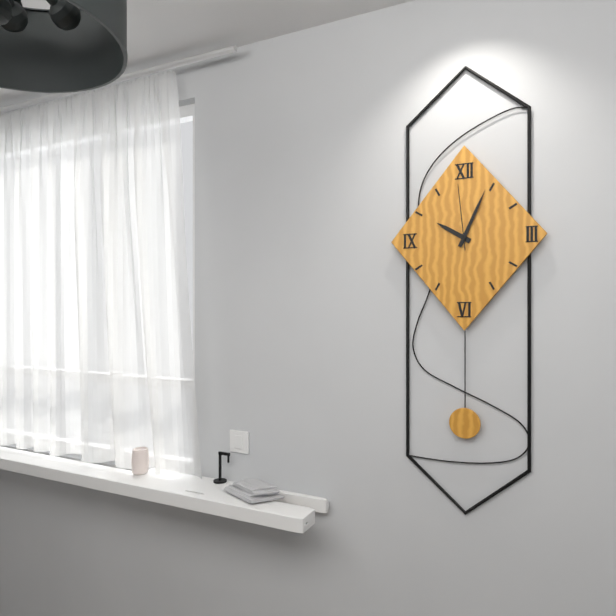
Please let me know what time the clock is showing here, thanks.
10:04:59
